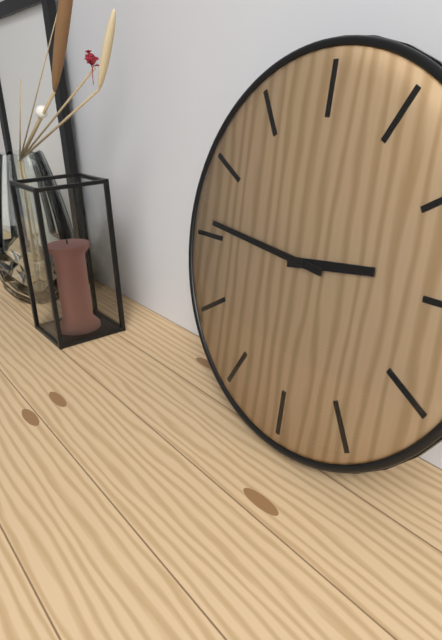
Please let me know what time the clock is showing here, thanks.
2:46
